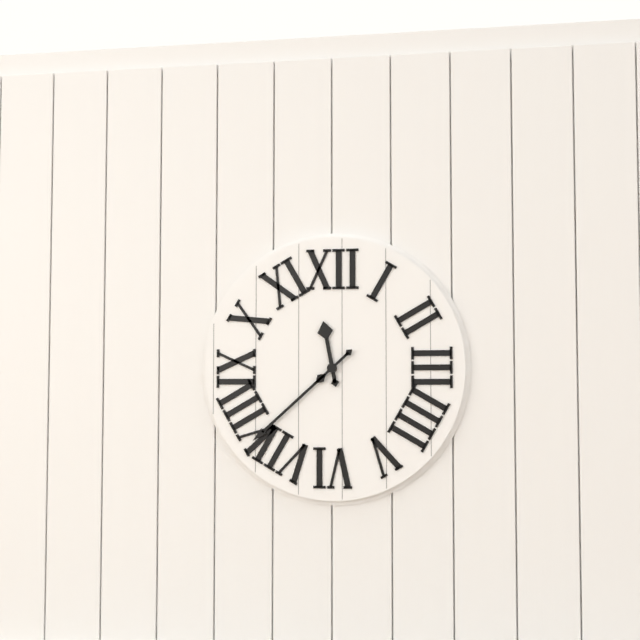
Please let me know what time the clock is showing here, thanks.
11:38
